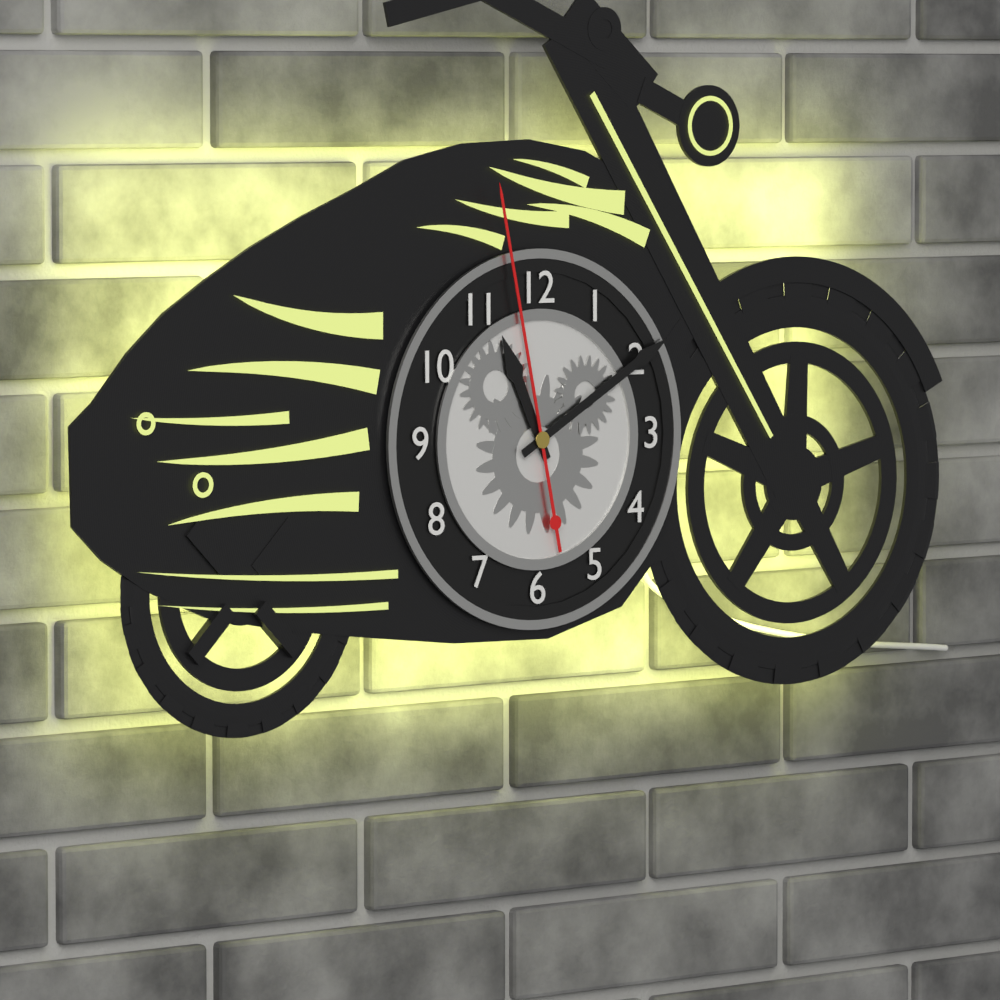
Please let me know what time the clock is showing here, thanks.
11:10:58
